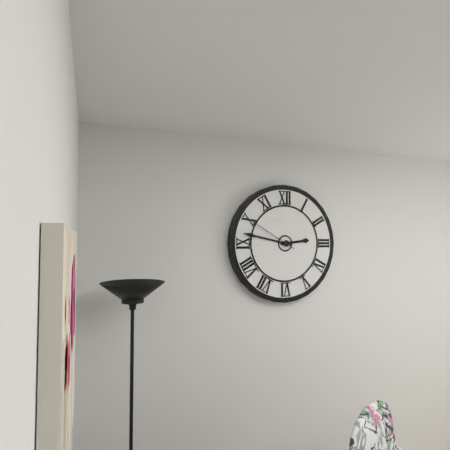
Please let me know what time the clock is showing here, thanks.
2:47:50
